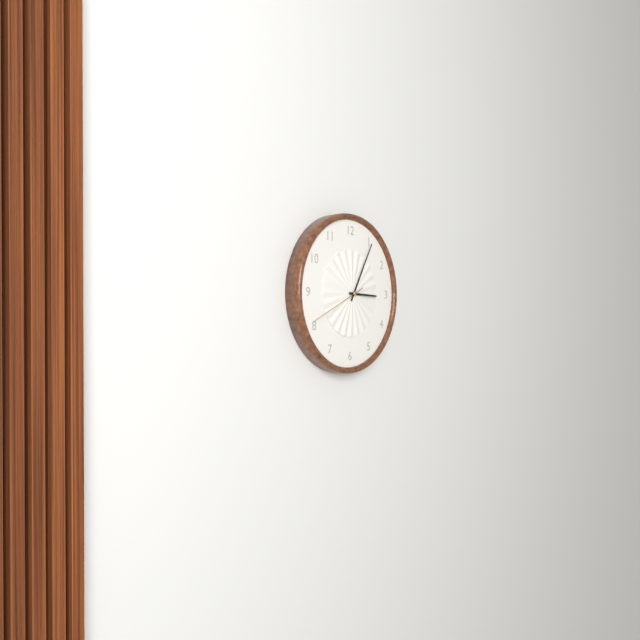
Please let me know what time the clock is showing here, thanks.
3:05:41
